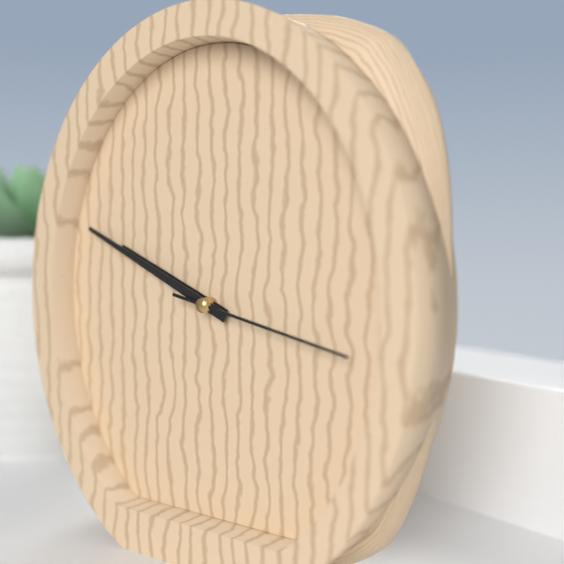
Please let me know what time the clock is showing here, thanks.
9:49:17
